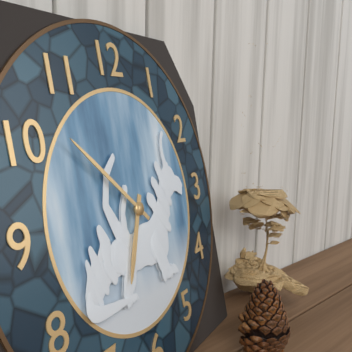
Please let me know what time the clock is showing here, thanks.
6:52
